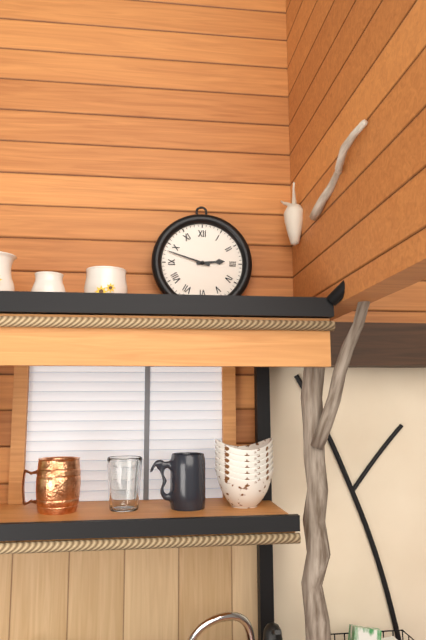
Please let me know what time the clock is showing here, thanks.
2:48
